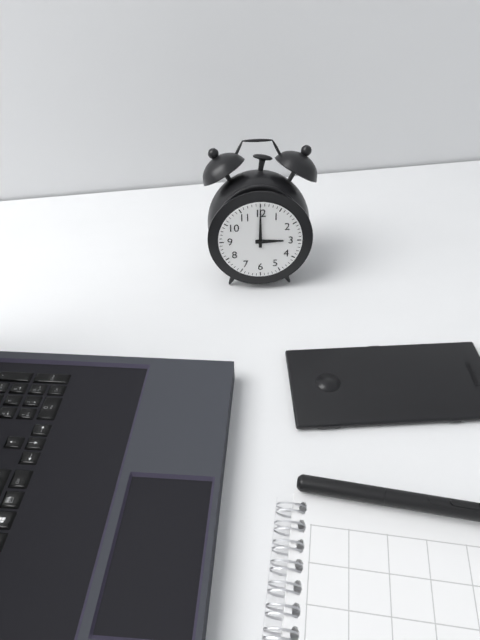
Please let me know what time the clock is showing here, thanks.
3:00
